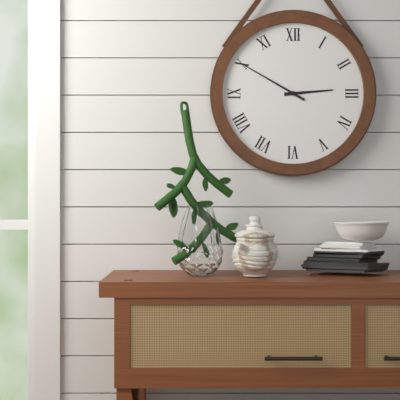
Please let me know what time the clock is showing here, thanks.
2:50
